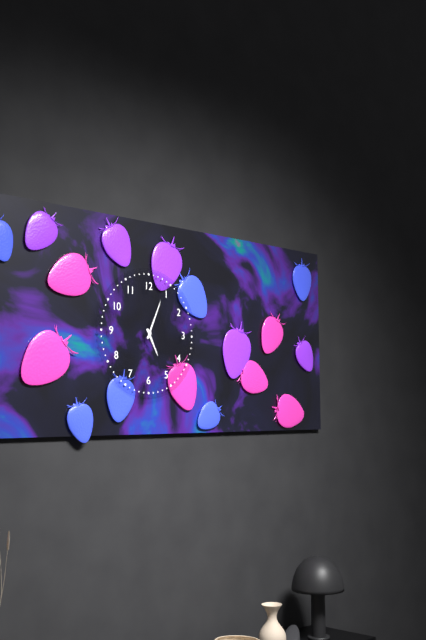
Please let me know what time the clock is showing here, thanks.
5:04
